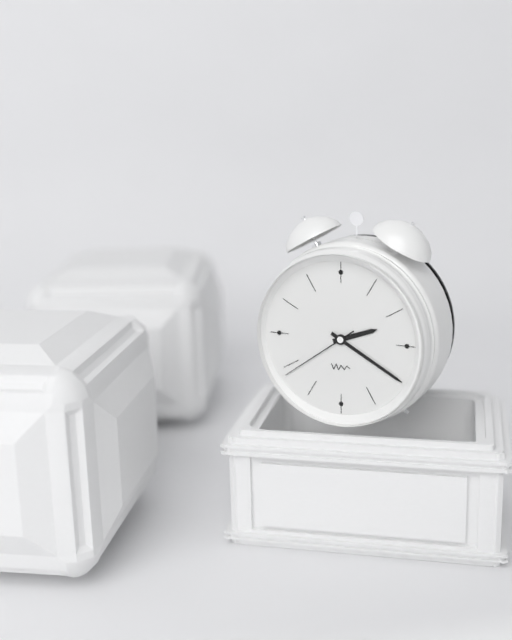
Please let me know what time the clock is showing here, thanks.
2:20:39
